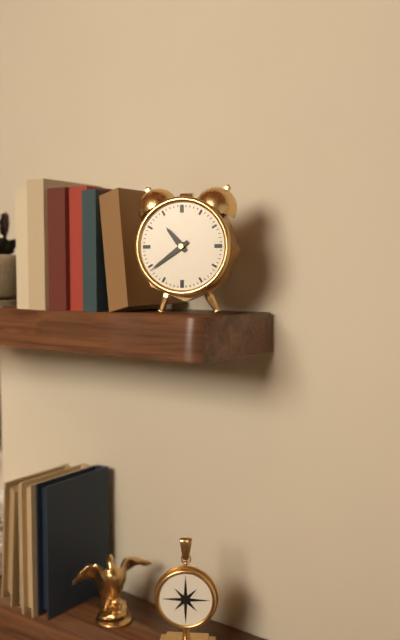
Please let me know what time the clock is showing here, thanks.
10:39
